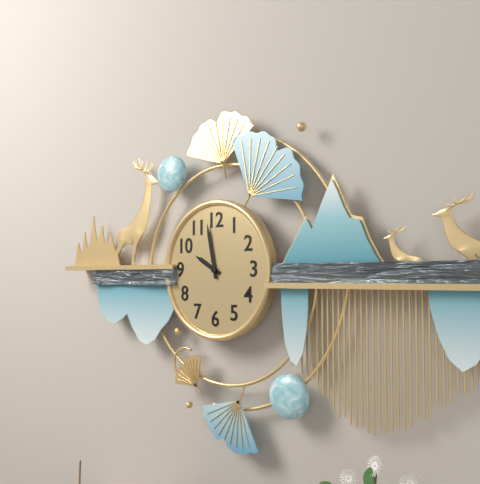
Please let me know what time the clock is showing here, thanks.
9:58
